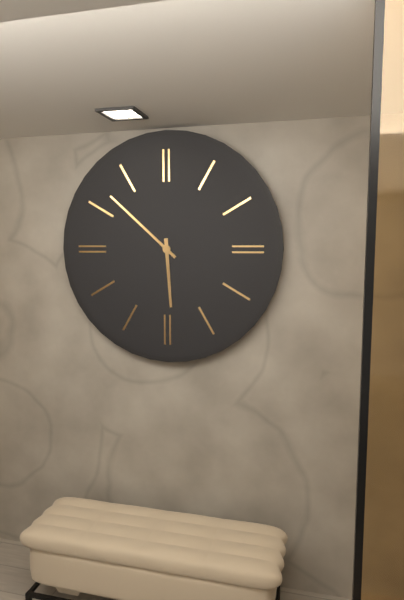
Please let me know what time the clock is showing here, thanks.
5:52
